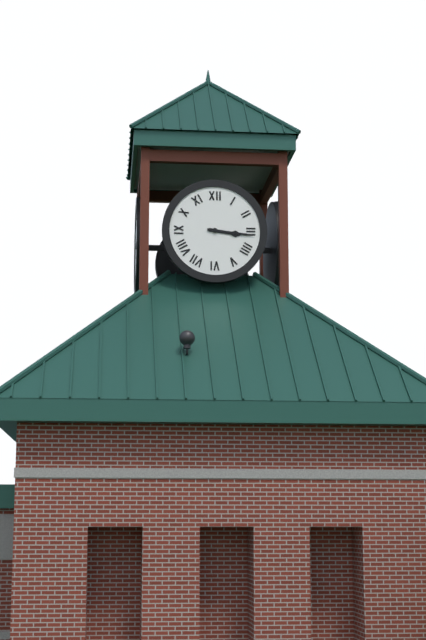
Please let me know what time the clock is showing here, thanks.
3:16
